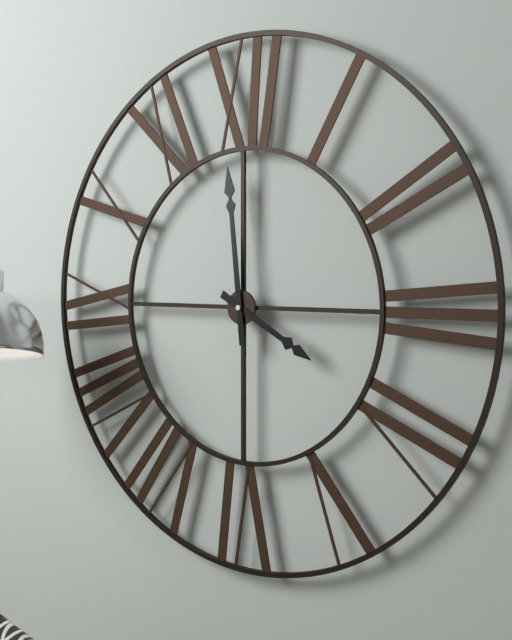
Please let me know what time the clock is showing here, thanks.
3:59
